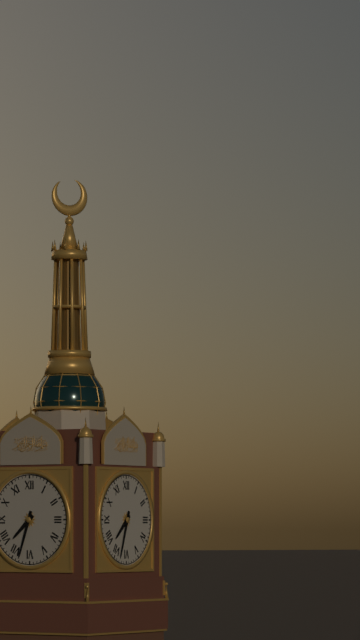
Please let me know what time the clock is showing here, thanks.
7:33
